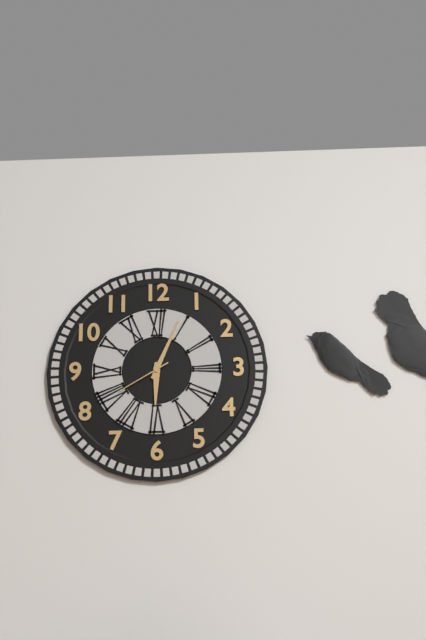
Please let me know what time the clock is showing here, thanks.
6:04:40
